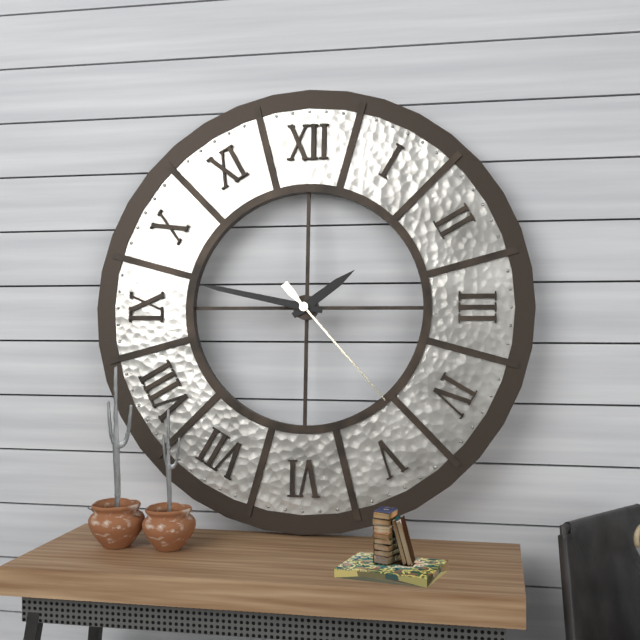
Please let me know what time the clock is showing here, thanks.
1:47:23
